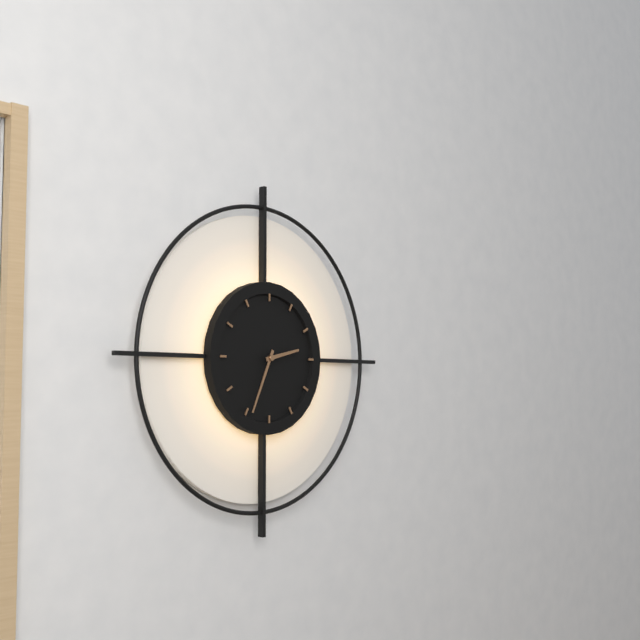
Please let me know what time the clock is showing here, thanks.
2:34
